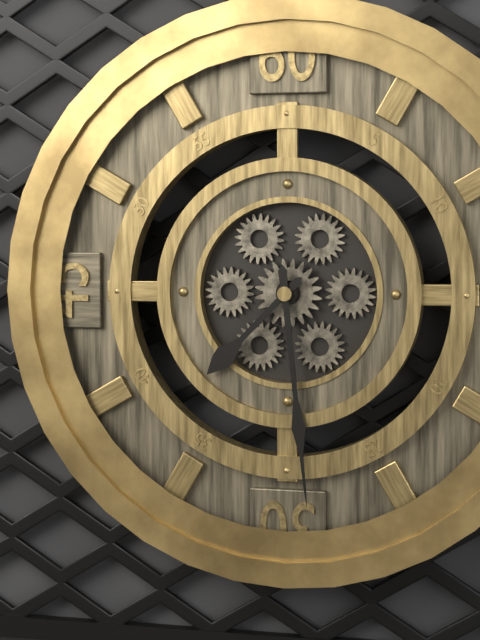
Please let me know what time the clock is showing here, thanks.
7:29
